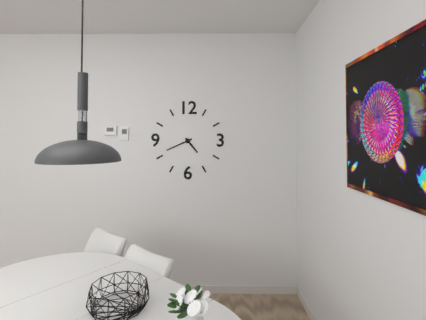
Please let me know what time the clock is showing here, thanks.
4:41
